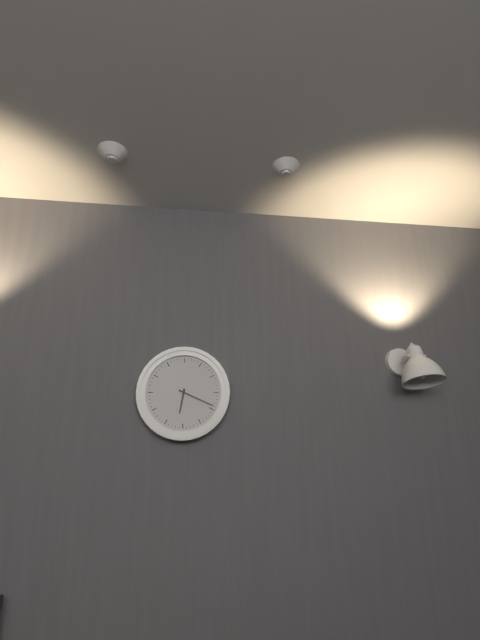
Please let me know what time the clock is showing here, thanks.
6:19
